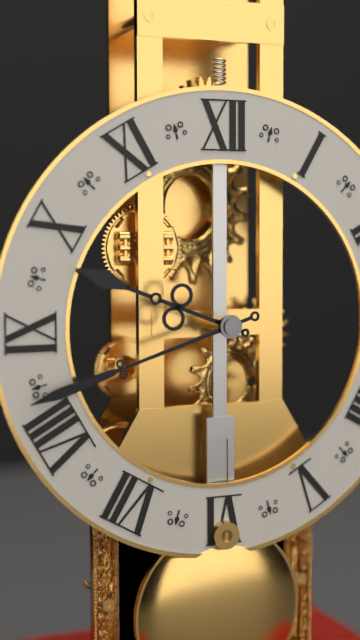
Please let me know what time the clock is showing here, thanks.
9:42
